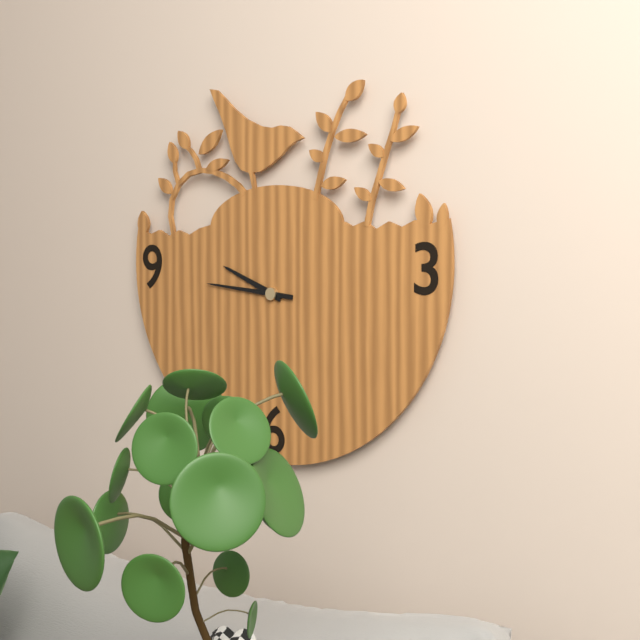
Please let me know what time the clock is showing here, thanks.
9:46
